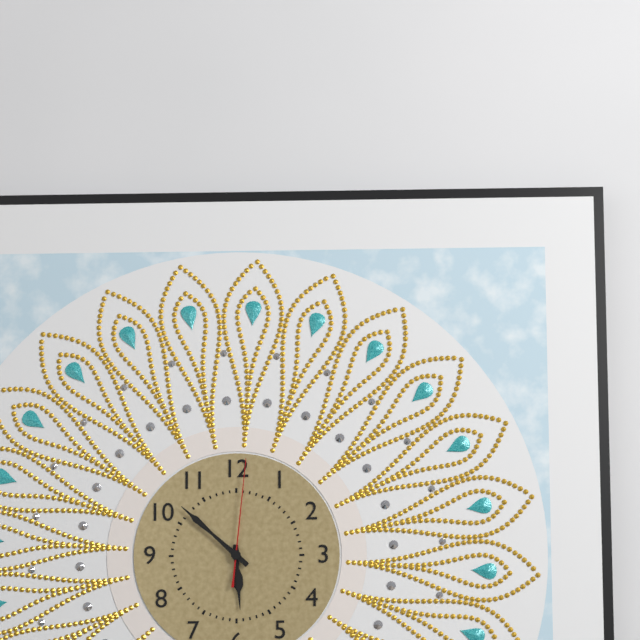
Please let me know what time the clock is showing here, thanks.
5:52:01
